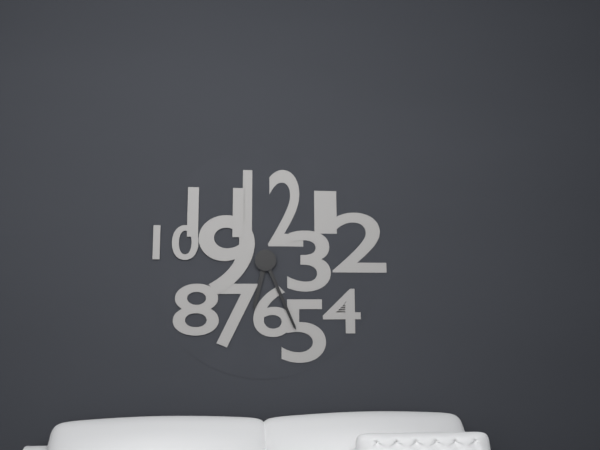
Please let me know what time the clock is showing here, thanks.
6:26
